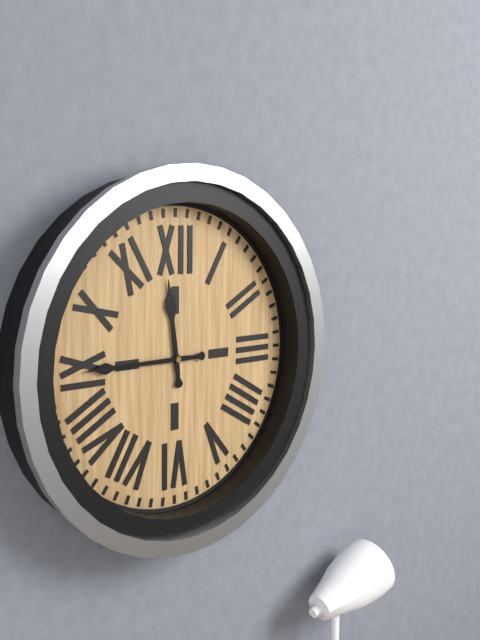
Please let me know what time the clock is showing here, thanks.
11:45
